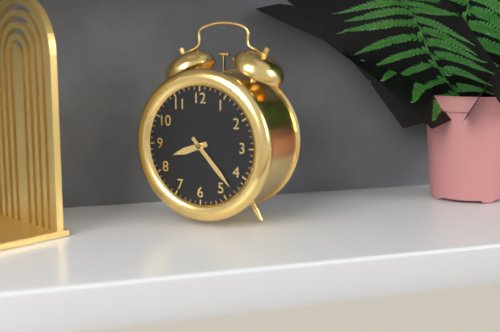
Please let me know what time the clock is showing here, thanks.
8:23
